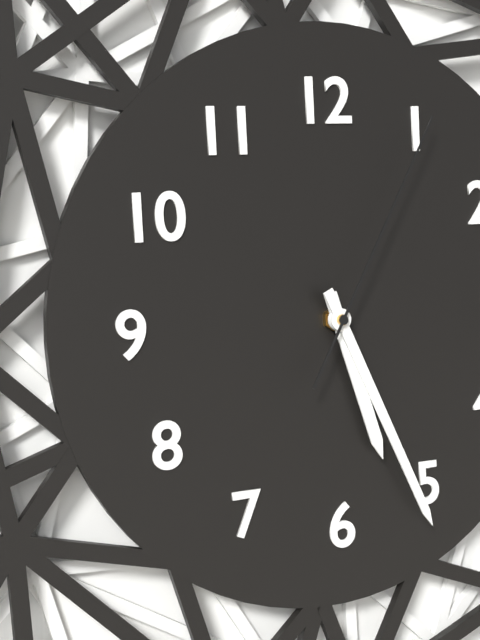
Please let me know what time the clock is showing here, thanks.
5:26:05
